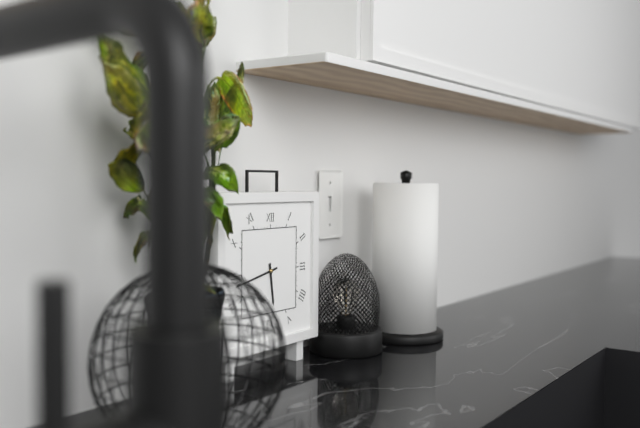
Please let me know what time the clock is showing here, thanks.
5:43
